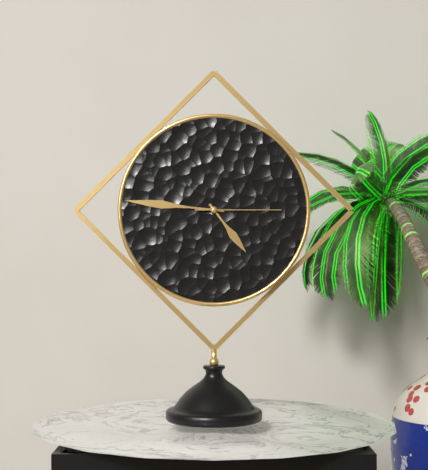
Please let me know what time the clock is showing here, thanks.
4:46:15
